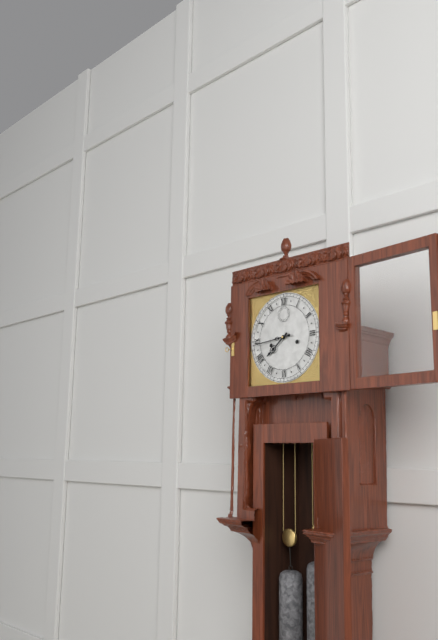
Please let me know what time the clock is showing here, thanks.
7:44
